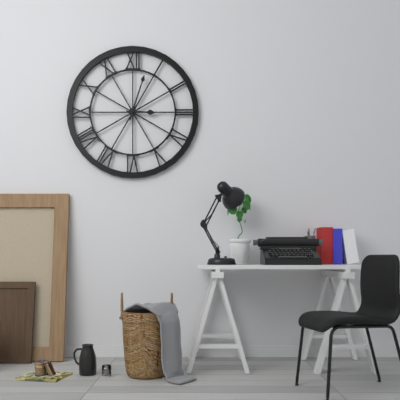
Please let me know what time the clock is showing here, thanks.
3:03
